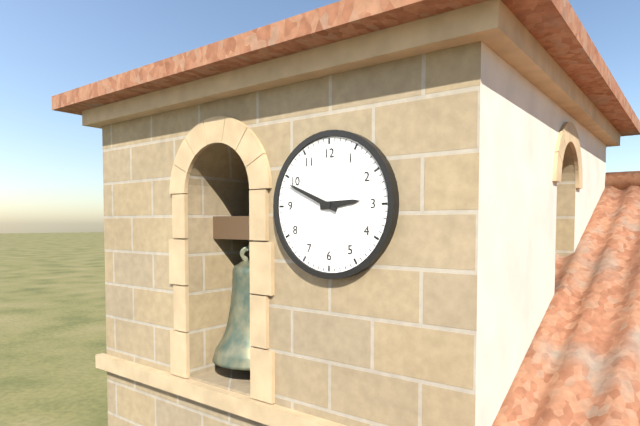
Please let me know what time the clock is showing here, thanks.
2:49
